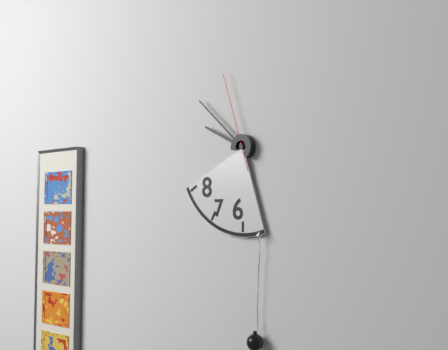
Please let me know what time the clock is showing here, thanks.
9:52:57
